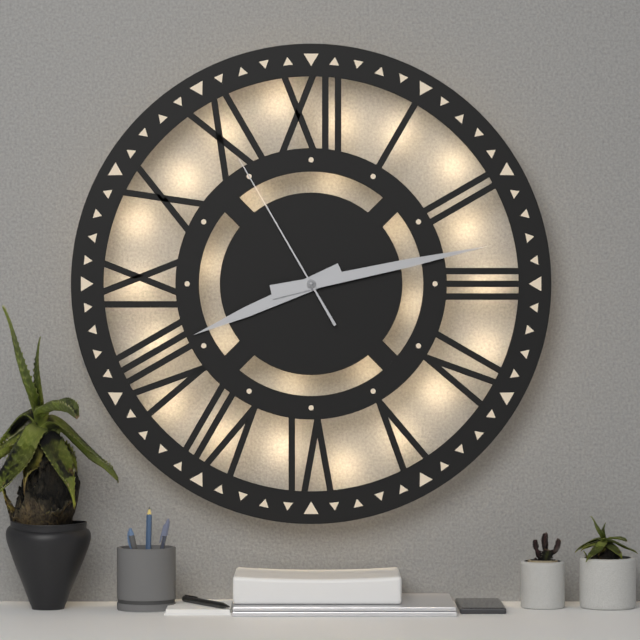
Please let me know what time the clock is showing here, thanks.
8:13:55
